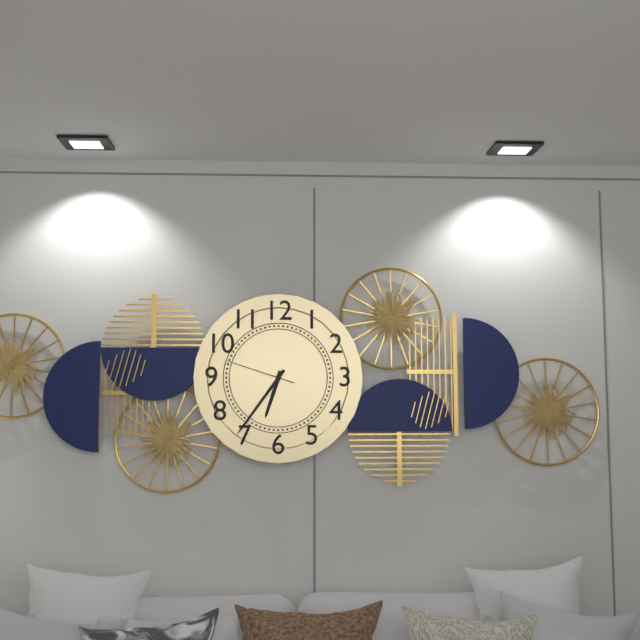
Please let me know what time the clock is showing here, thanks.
6:36:48
